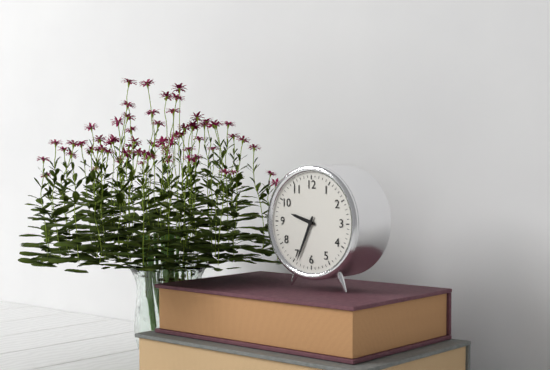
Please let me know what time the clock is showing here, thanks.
9:34
